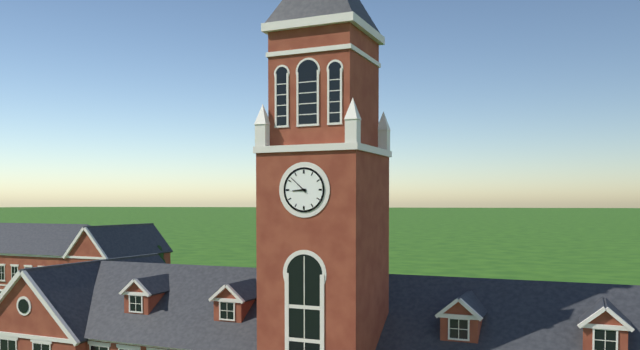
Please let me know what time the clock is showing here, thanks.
8:52
